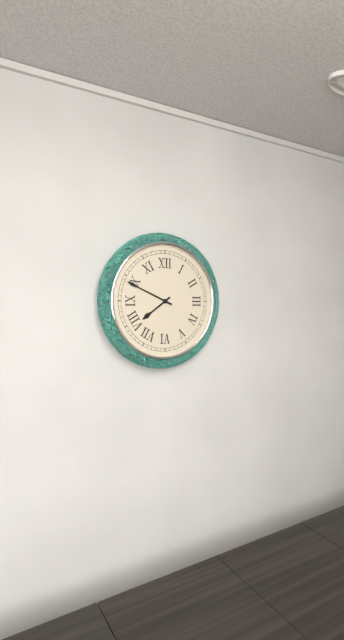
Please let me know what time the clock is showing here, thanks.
7:49
